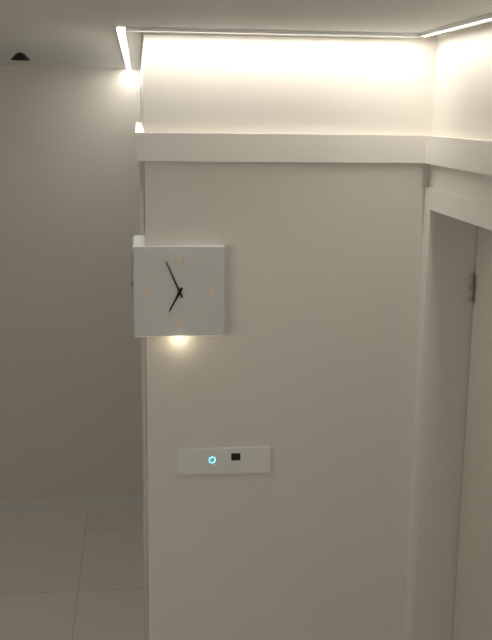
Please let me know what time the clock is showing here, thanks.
6:56
